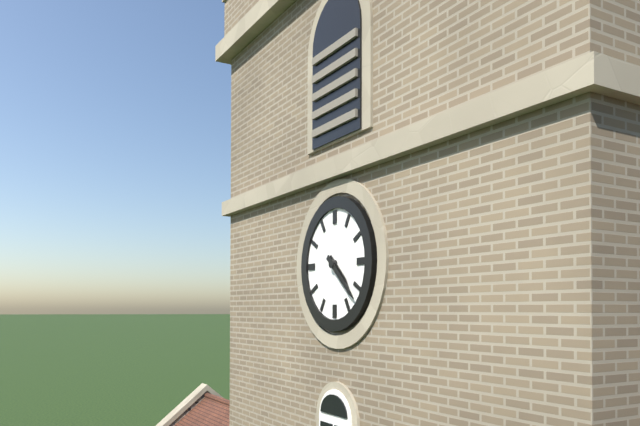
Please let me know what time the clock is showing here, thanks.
4:22
